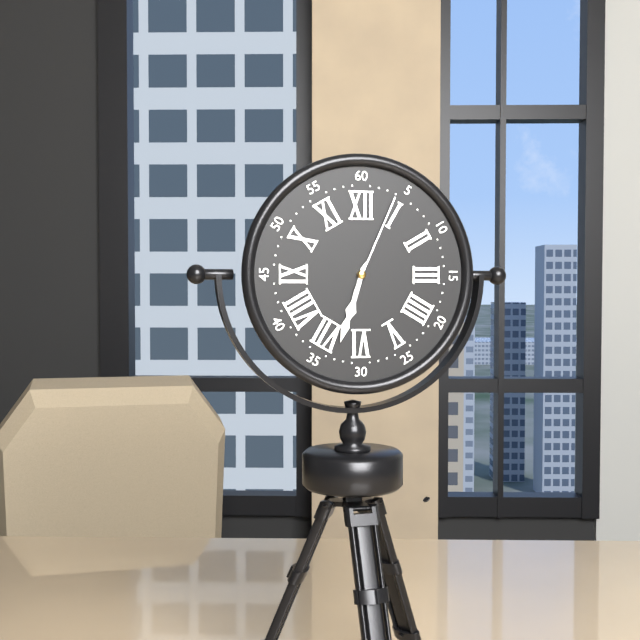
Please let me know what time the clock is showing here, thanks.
6:33:04
